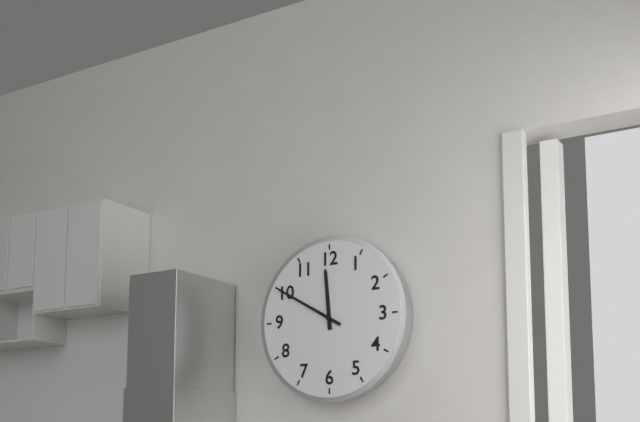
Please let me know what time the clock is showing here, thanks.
11:50
